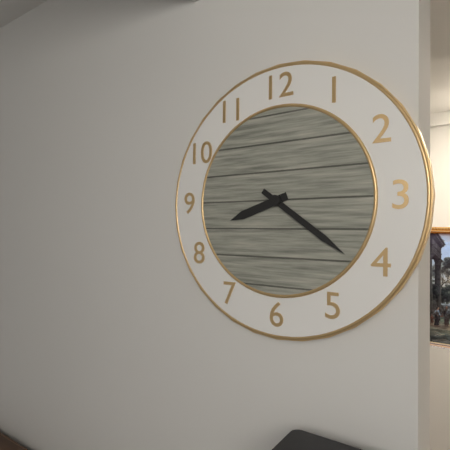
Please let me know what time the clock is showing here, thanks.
8:21
